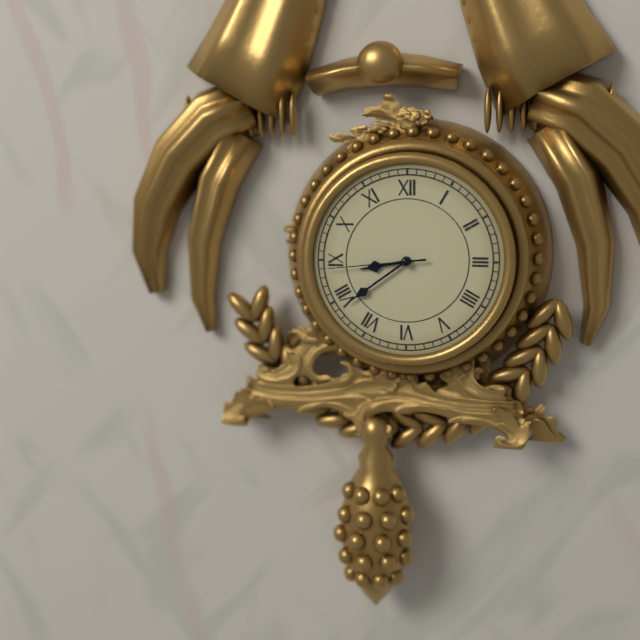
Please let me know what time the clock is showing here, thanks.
8:39:44
